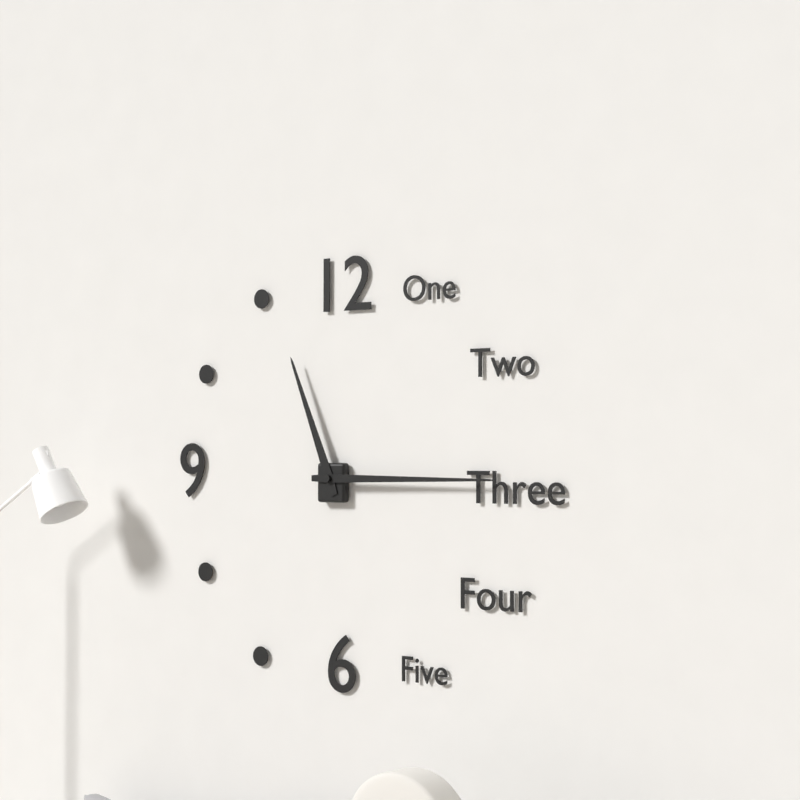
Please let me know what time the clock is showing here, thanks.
11:15
